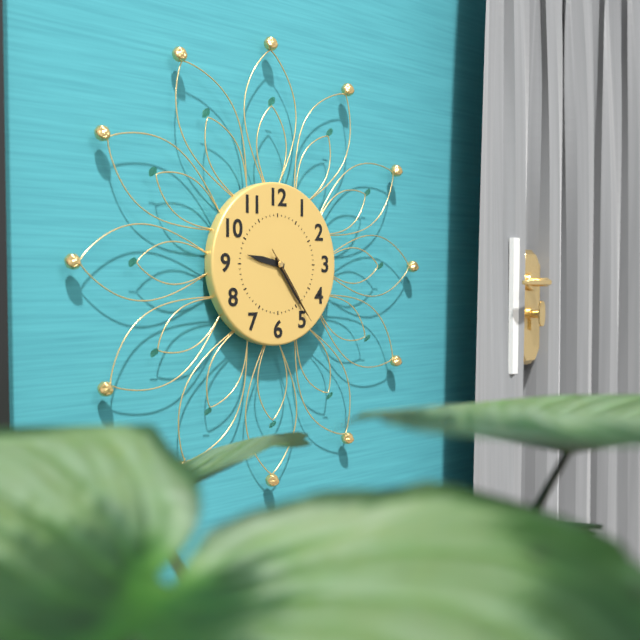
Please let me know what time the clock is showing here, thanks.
9:24:24
